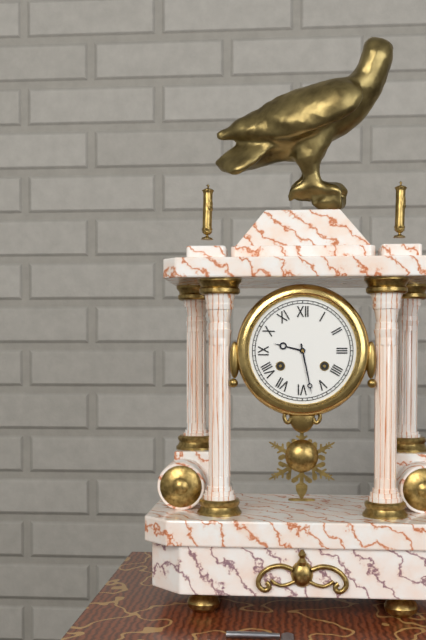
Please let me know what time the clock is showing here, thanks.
9:28
